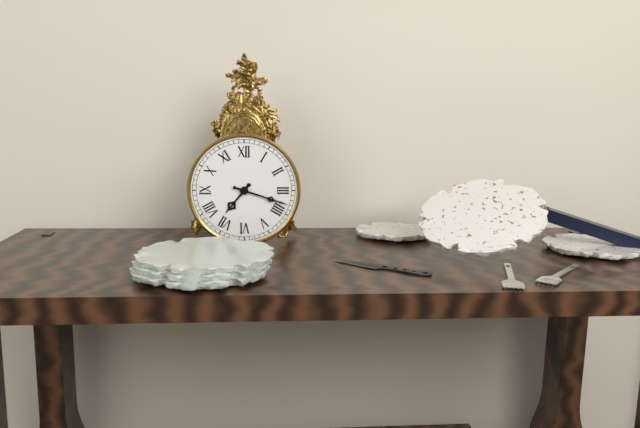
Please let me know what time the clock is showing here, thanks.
7:18
